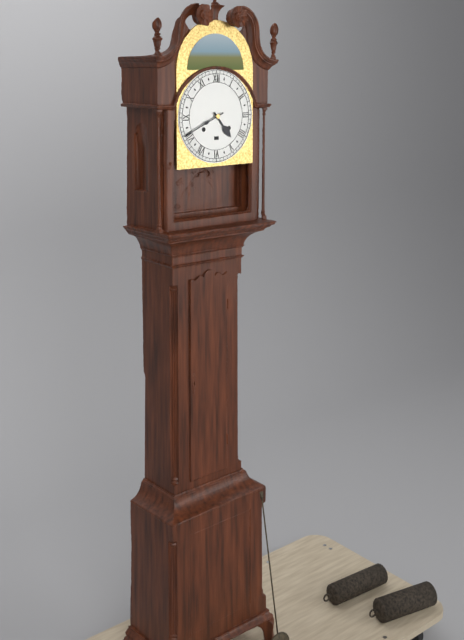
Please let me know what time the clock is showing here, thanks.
4:41
